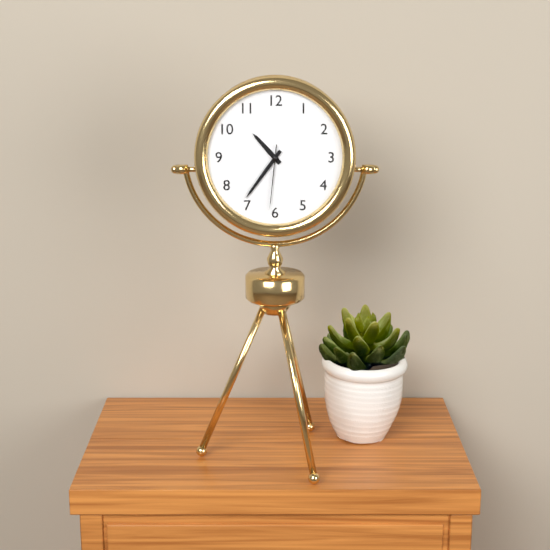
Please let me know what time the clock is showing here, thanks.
10:36:31
